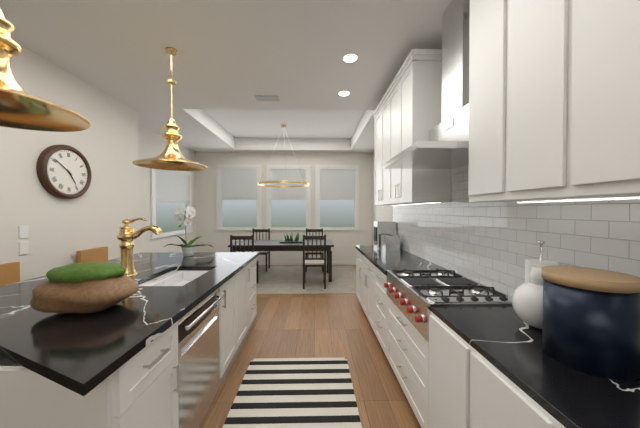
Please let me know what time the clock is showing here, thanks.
4:51
